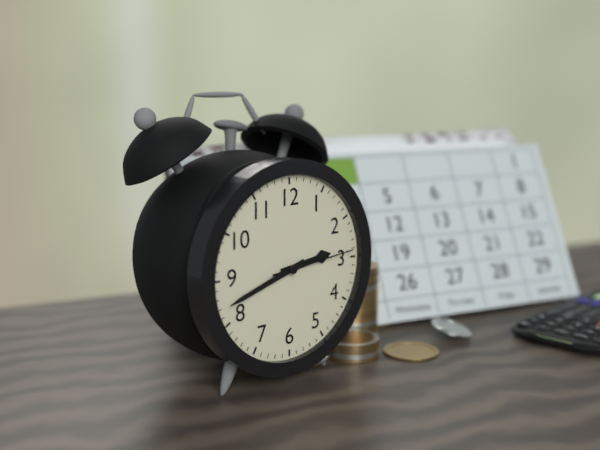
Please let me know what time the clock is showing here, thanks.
2:42:14
